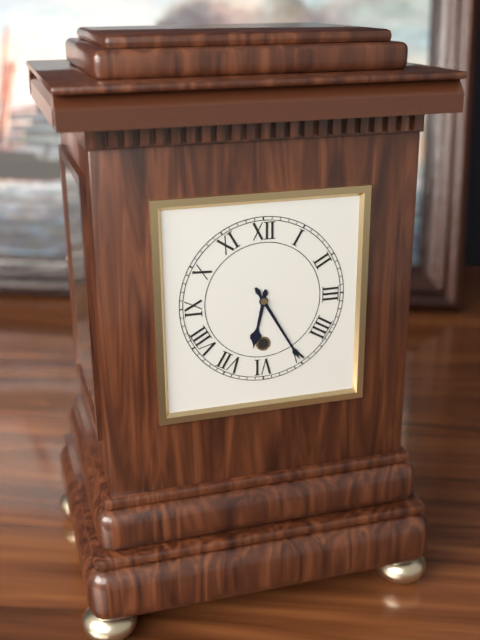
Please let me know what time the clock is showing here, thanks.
6:25
